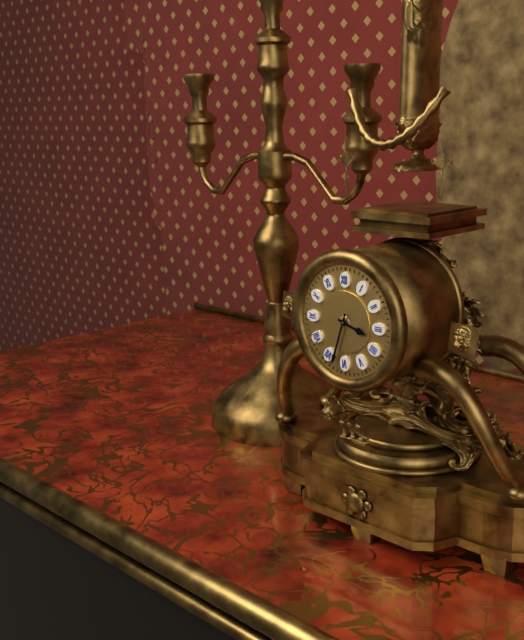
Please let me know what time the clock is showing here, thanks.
3:33
